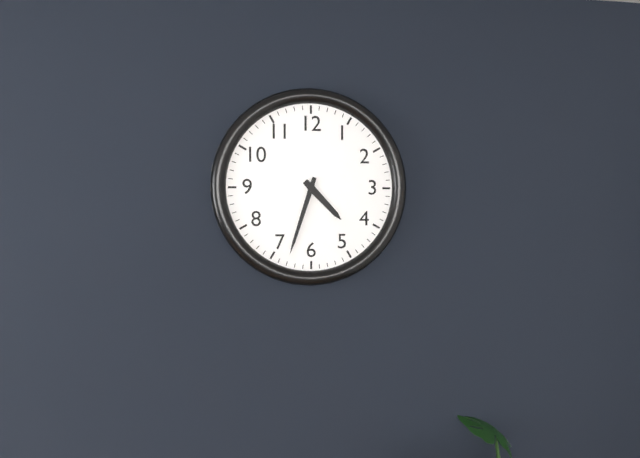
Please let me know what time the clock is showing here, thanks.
4:33
